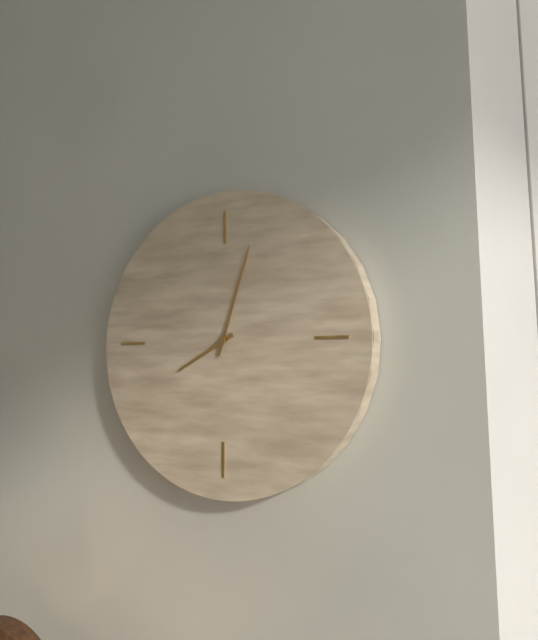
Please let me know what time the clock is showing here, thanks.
8:03
